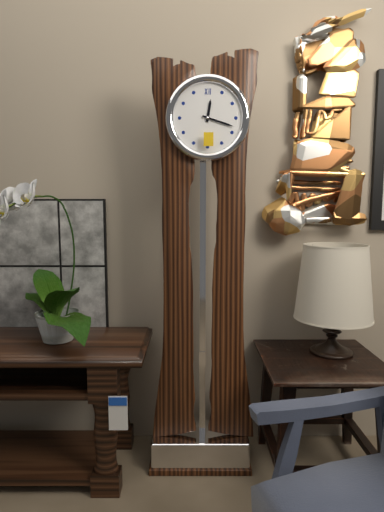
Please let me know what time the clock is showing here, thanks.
12:18
